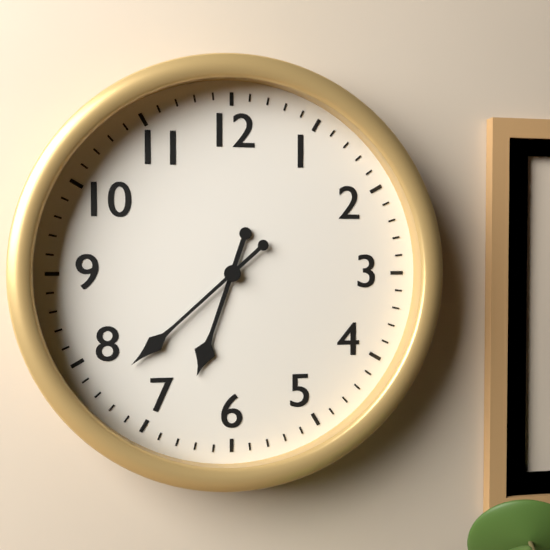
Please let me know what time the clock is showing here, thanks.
6:38
